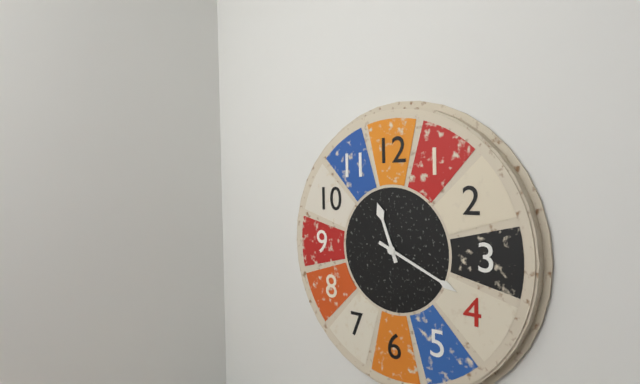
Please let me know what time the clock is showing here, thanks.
11:19
